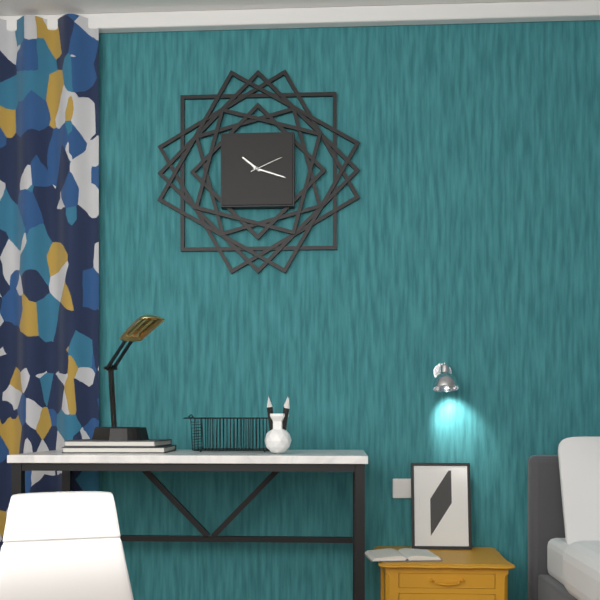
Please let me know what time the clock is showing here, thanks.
10:18
